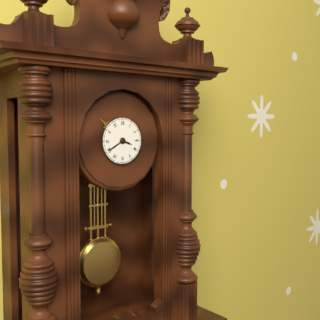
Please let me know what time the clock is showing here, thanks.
3:40
